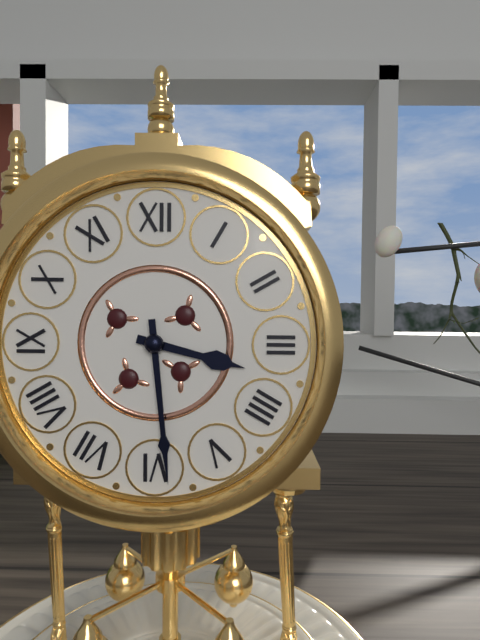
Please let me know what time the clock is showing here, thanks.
3:29
